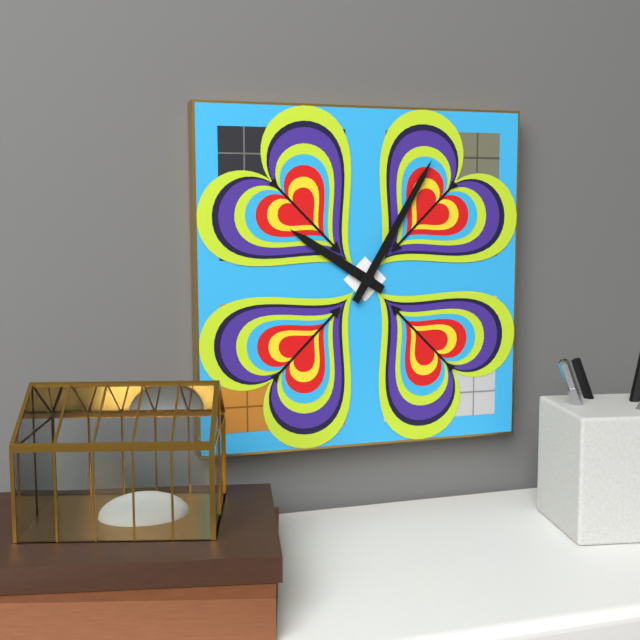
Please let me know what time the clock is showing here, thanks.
10:05
